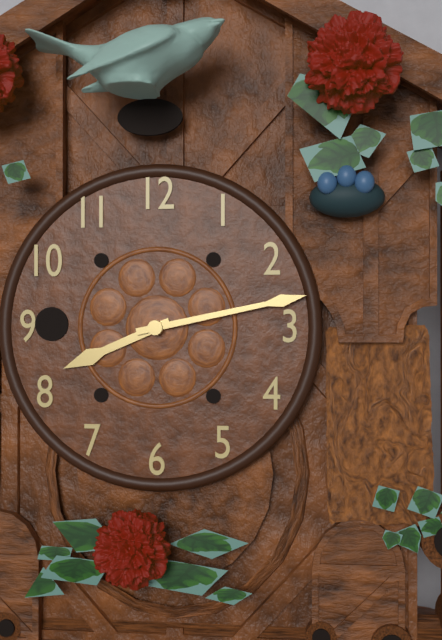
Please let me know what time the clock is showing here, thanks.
8:13
